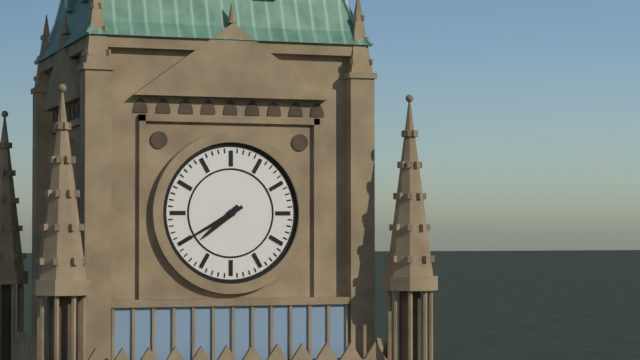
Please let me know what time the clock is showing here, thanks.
7:40
